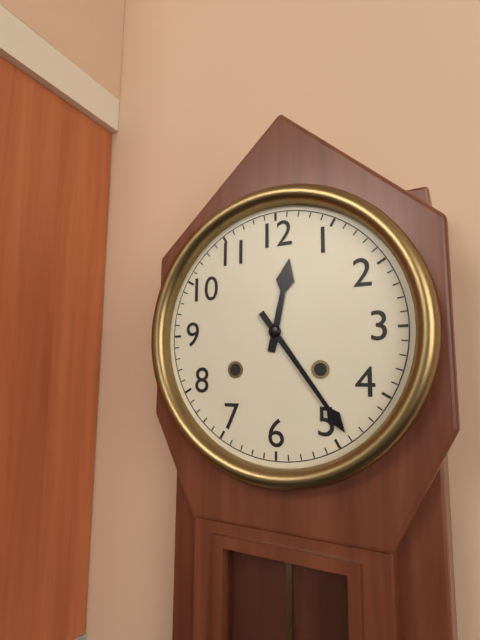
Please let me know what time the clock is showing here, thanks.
12:24
